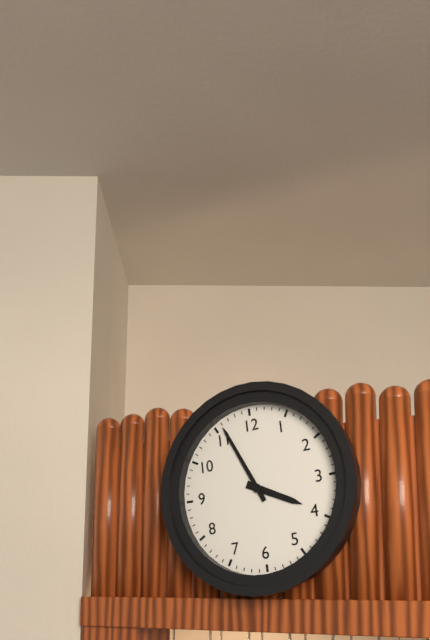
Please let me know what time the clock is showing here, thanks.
3:56
